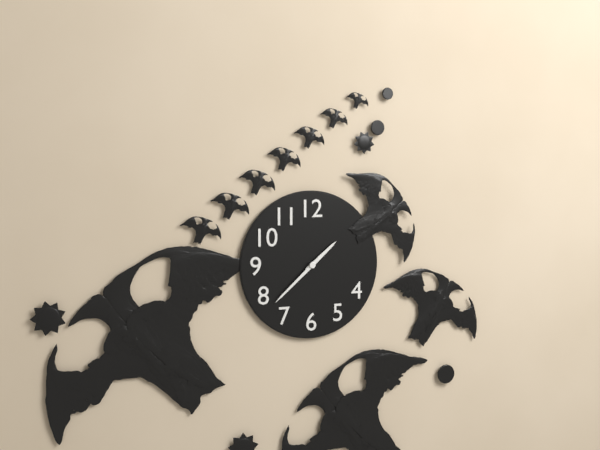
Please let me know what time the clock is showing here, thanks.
1:38
